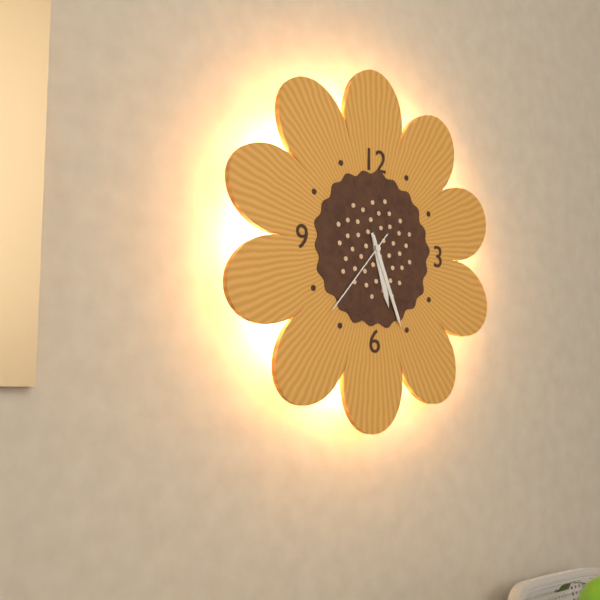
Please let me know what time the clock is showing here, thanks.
5:26:37
